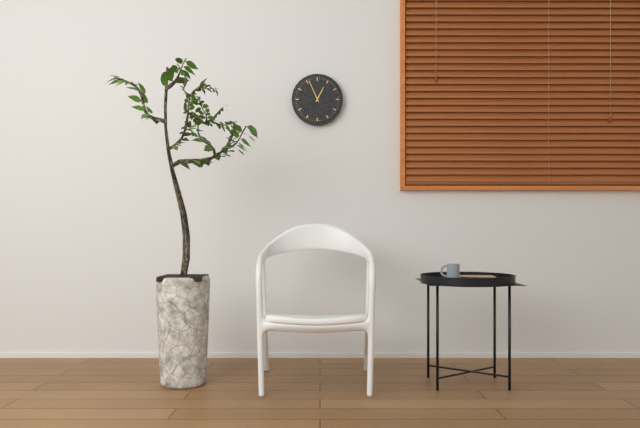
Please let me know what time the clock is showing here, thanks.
12:56
